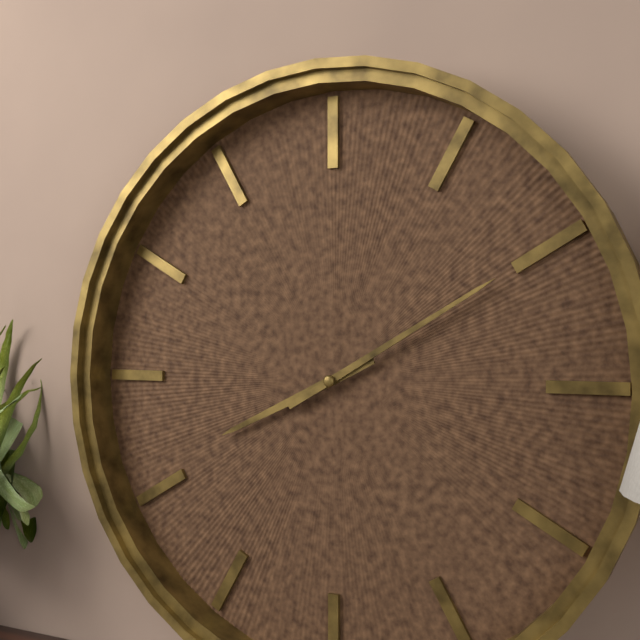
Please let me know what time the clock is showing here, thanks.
8:10
